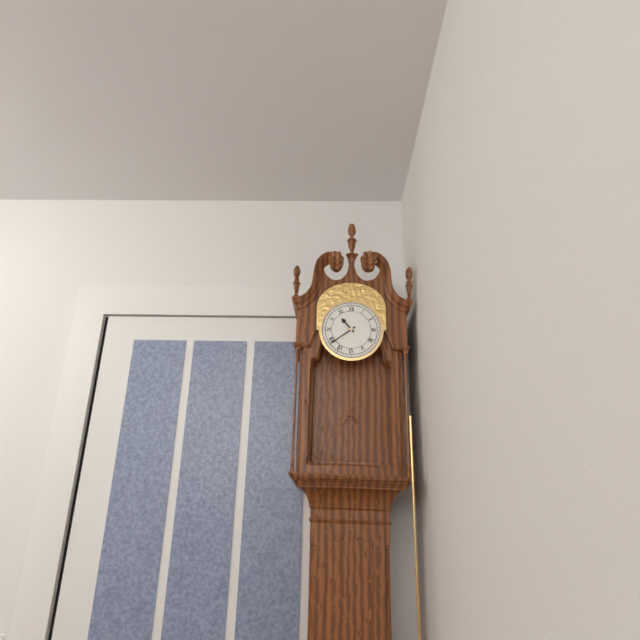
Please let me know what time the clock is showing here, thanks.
10:39
